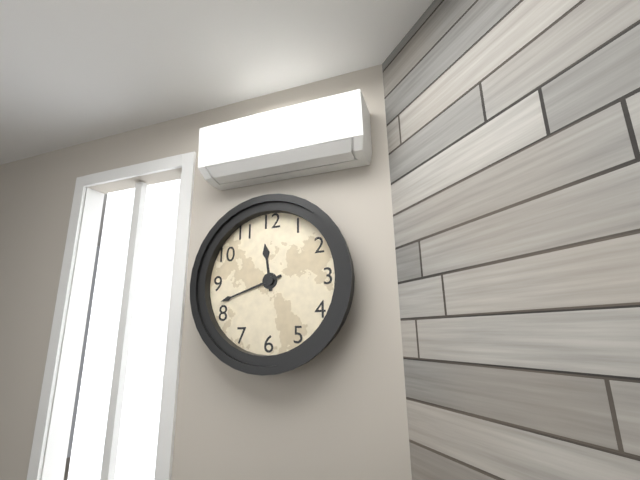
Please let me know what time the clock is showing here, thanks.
11:42
